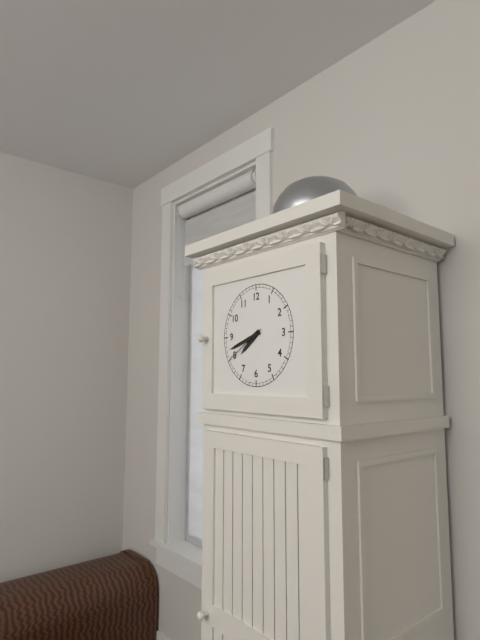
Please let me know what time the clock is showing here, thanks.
7:42
